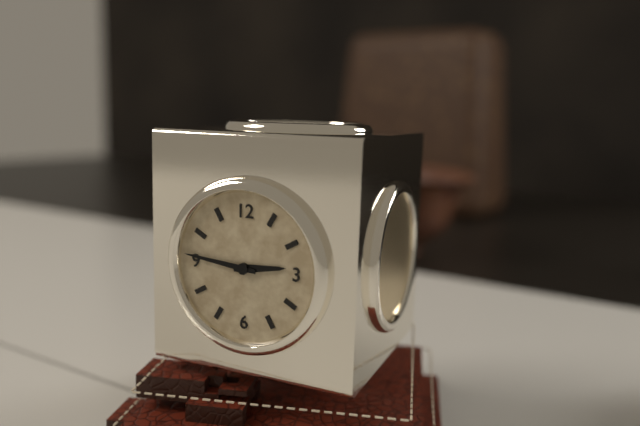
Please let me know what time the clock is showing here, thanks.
2:46
